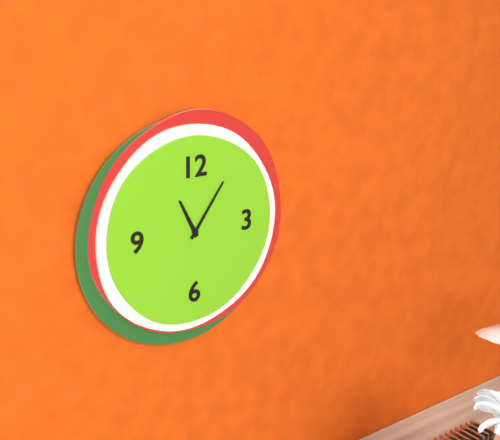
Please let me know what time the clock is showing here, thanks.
11:06
